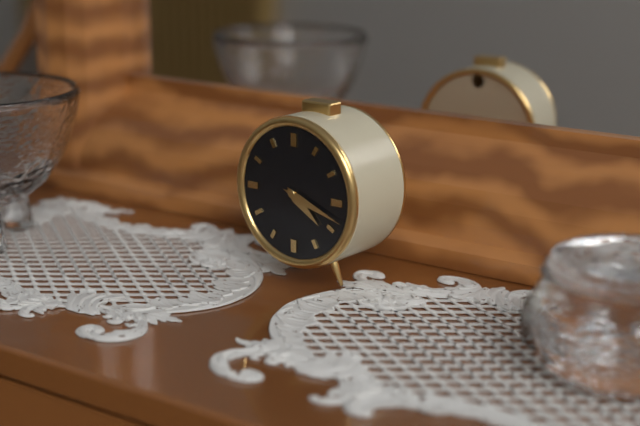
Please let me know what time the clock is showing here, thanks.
4:18
